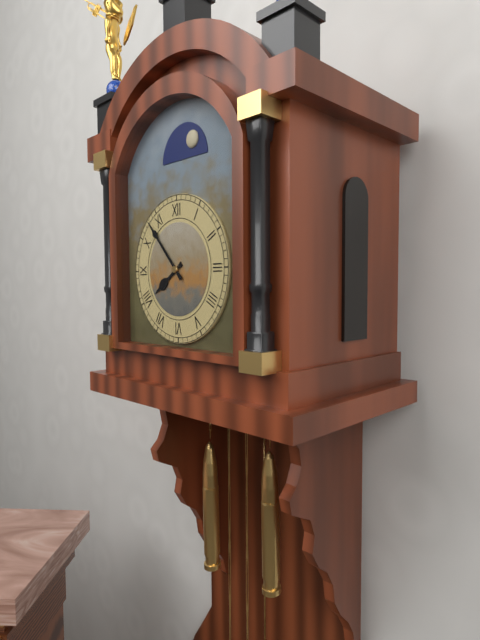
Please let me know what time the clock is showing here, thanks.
7:53
